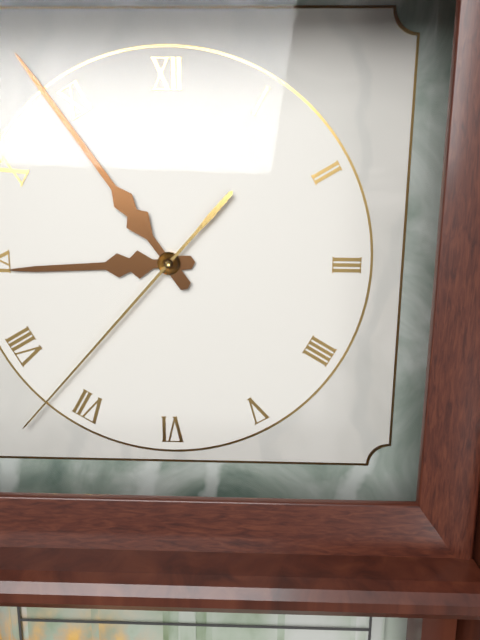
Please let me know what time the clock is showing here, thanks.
8:54:37
